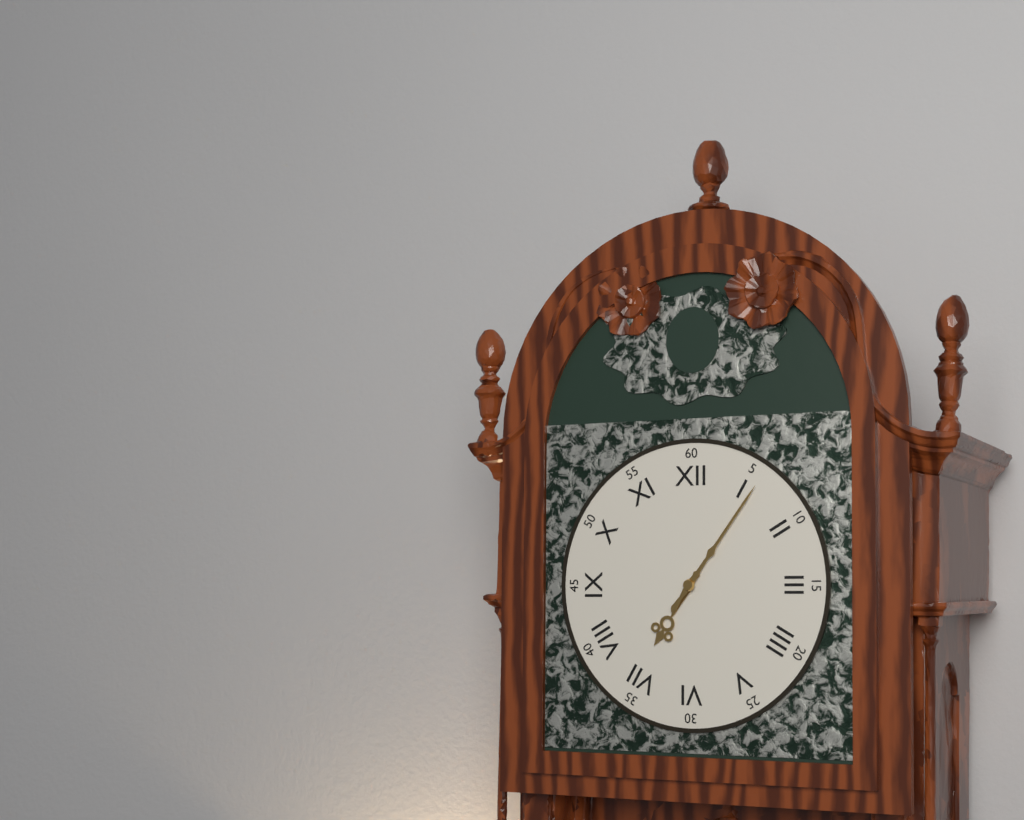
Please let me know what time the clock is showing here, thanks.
7:06
